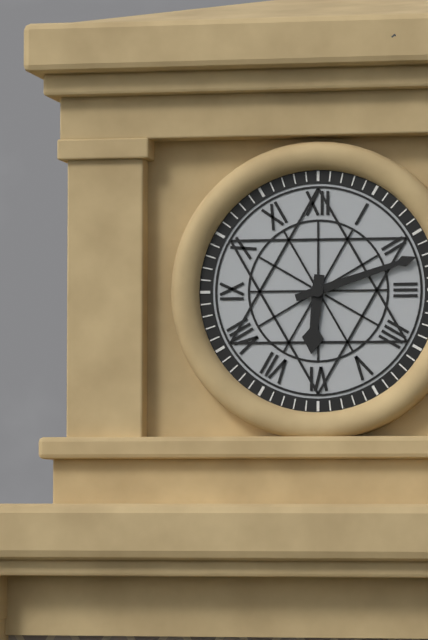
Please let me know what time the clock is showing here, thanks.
6:12
